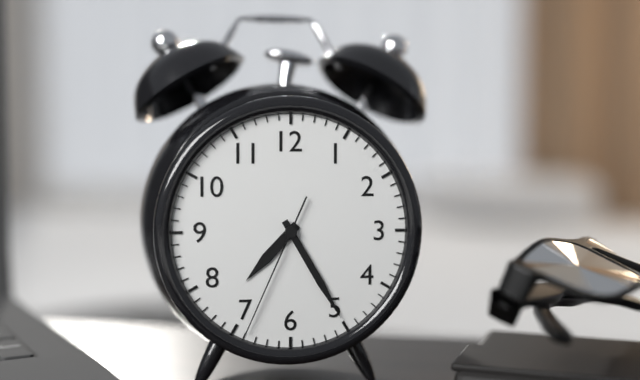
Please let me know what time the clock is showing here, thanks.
7:25:34
